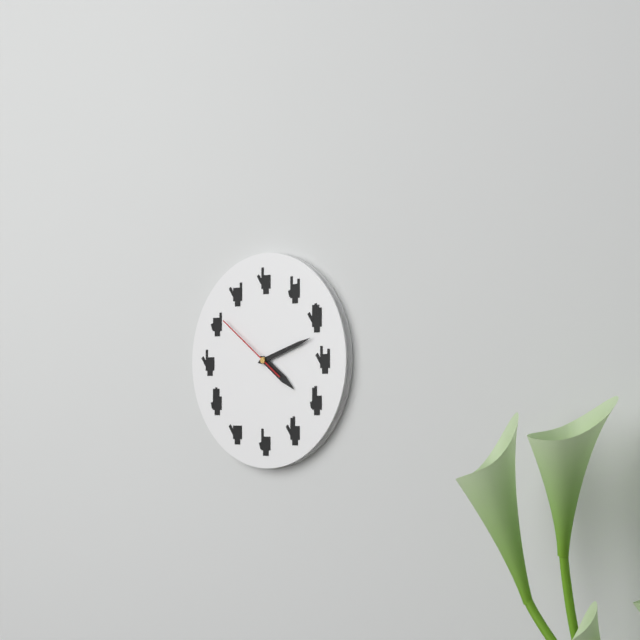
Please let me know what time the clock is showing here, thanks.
4:12:51
